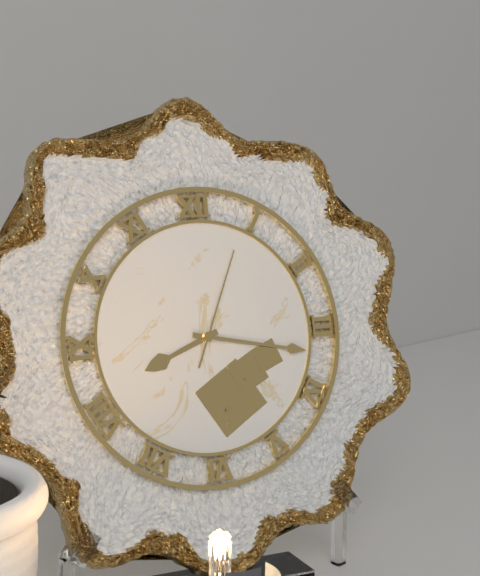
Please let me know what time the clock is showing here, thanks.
8:17:04
